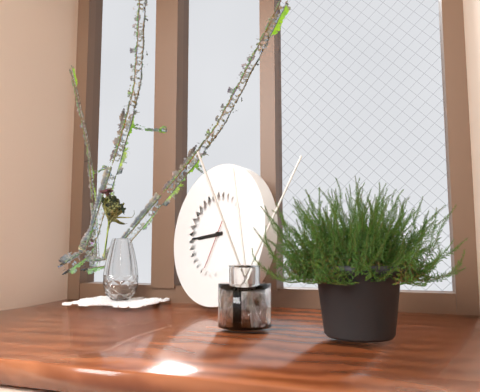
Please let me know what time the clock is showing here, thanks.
8:44
